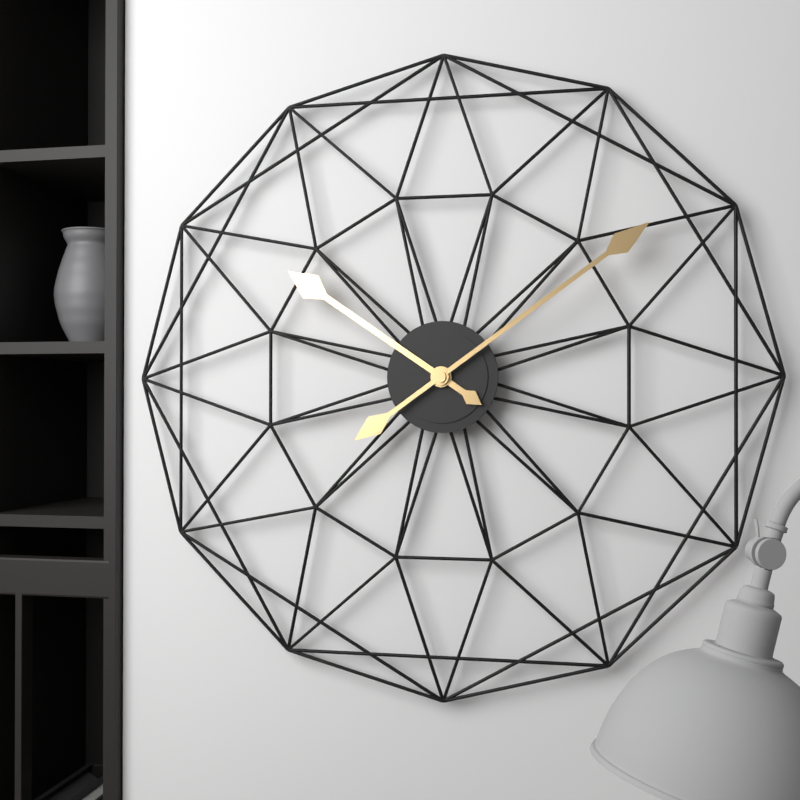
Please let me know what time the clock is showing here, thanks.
10:09
